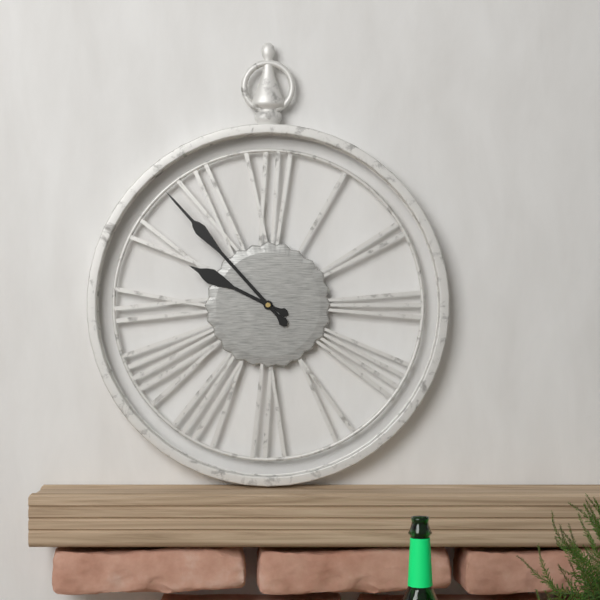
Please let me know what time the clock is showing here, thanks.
9:53
